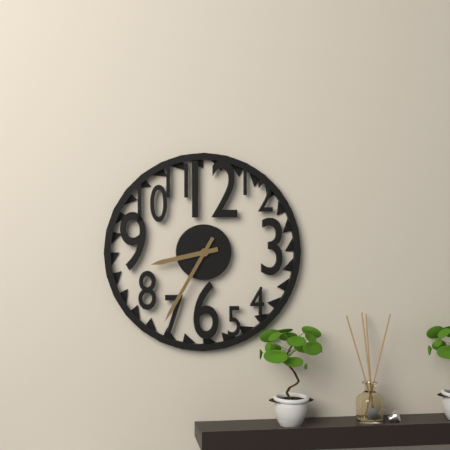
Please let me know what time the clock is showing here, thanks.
8:35
